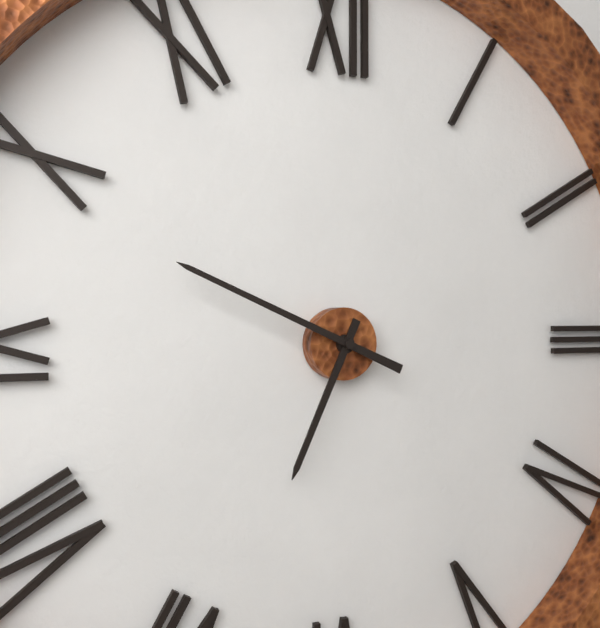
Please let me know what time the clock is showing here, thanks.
6:49
